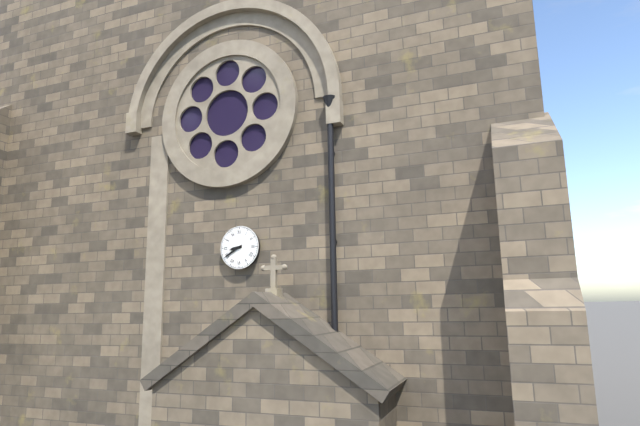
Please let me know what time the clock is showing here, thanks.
8:40
